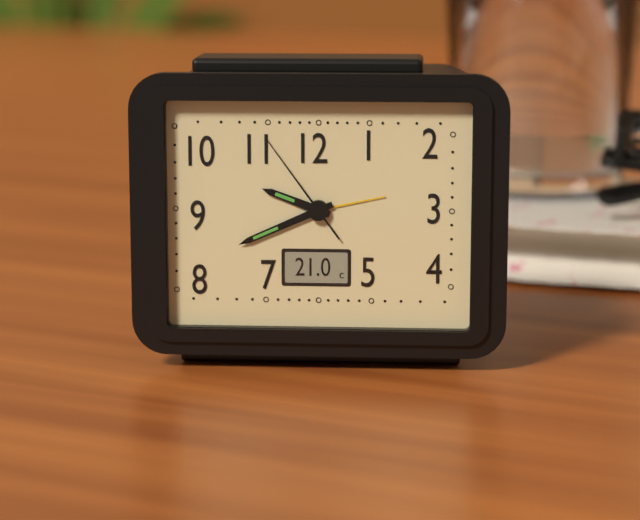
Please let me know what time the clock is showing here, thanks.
9:41:54
